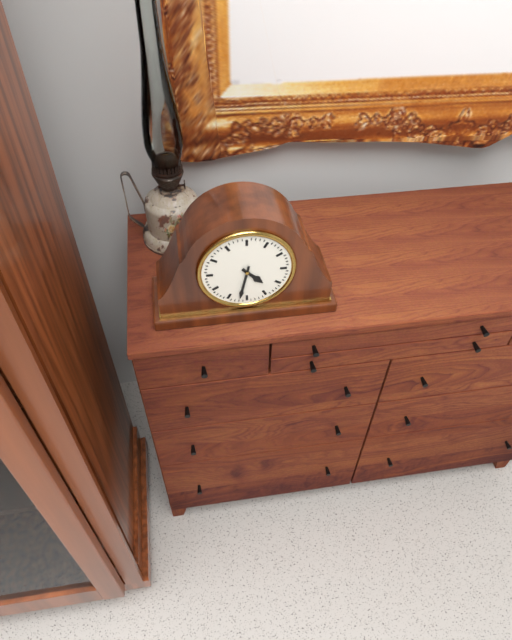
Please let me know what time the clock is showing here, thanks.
4:32
